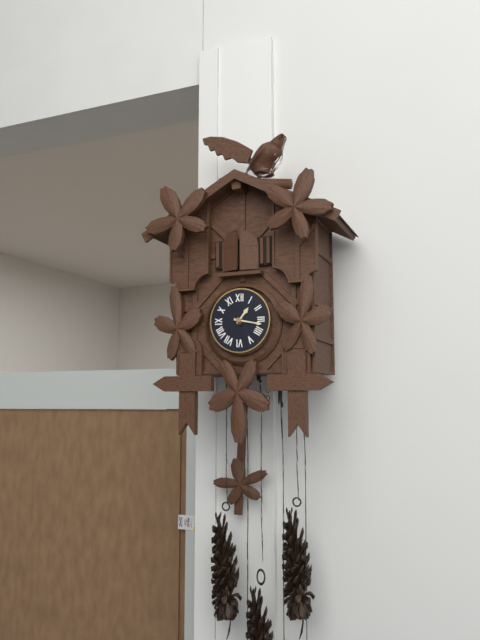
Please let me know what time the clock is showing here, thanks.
1:17
